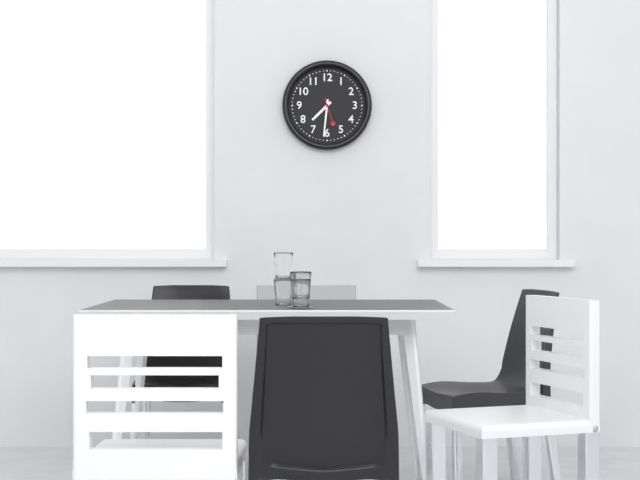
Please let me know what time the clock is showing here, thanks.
7:31
